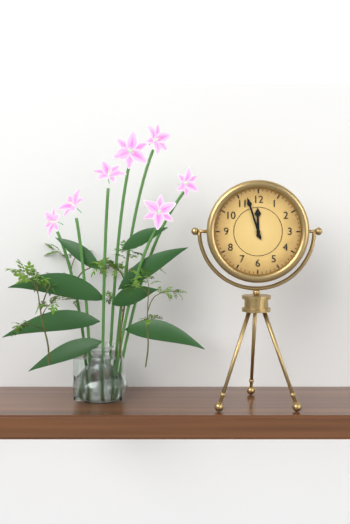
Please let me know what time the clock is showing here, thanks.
11:57
